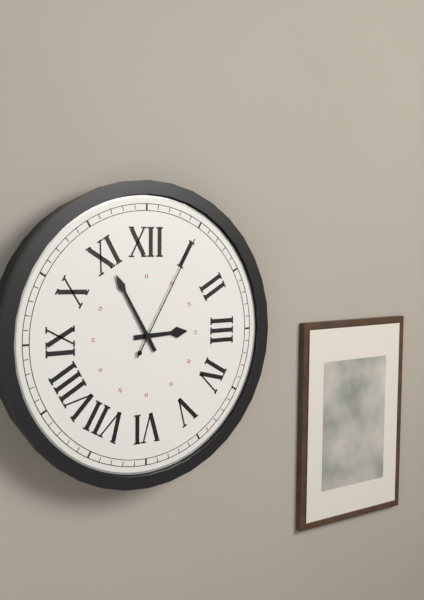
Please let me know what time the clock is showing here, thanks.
2:55:05
